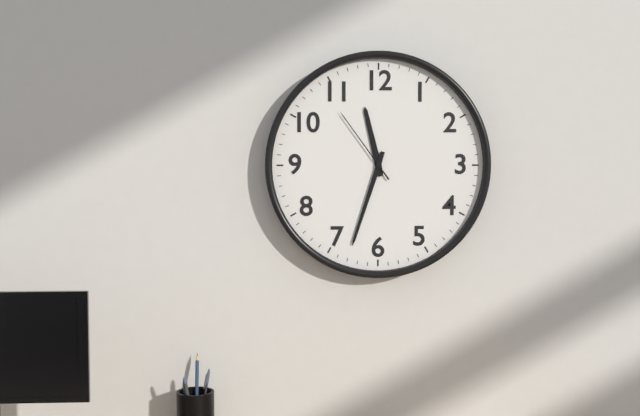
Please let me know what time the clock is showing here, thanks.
11:33:54
